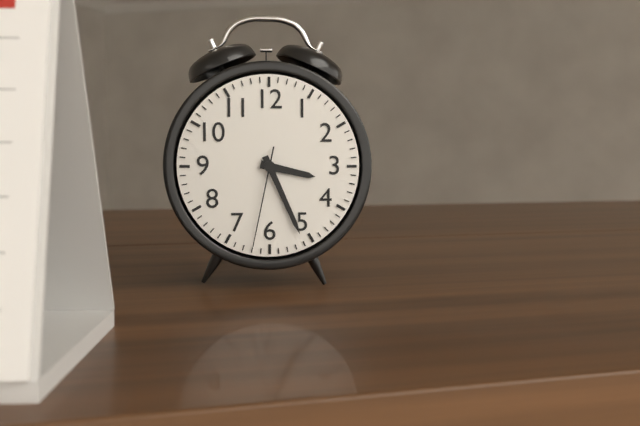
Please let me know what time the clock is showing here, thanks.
3:26:32
